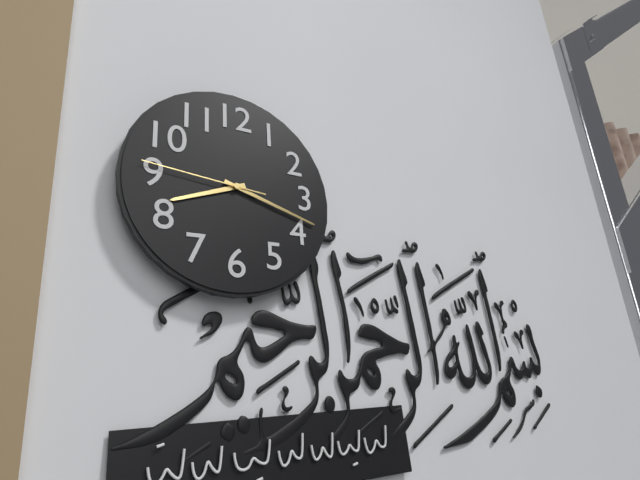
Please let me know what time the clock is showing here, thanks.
8:18:46
